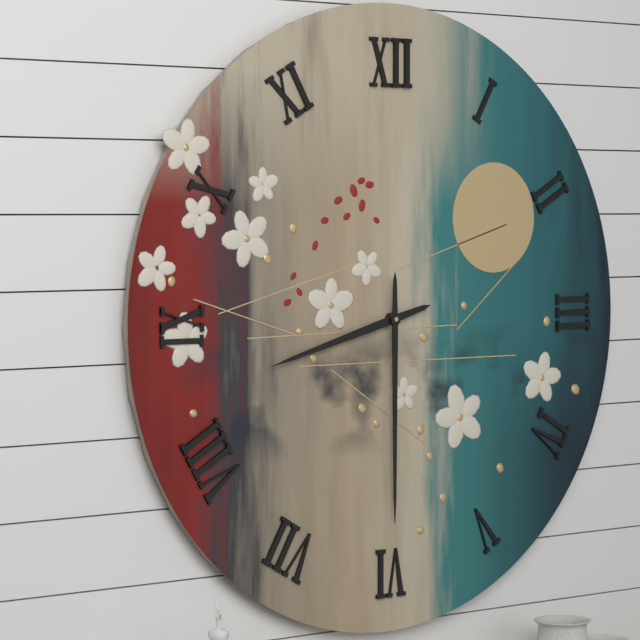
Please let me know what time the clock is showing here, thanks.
8:30
